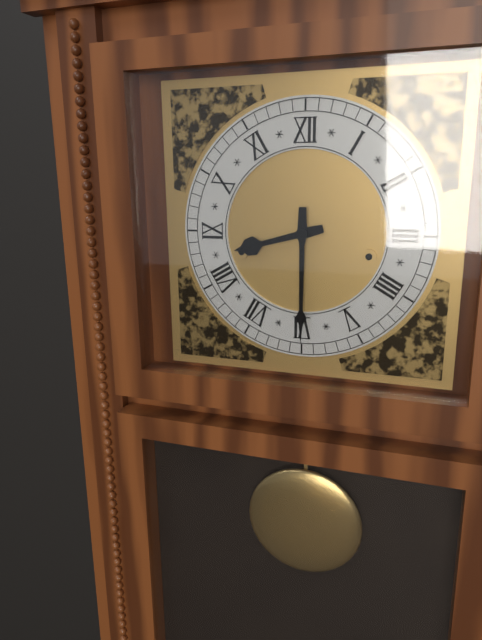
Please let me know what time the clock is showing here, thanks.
8:30
